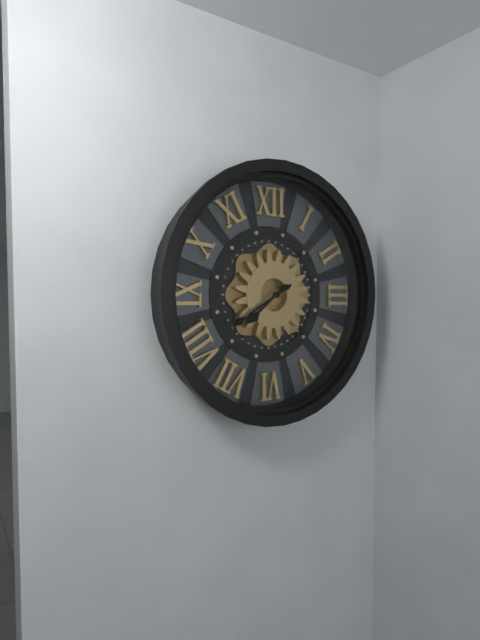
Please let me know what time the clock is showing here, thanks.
7:40
